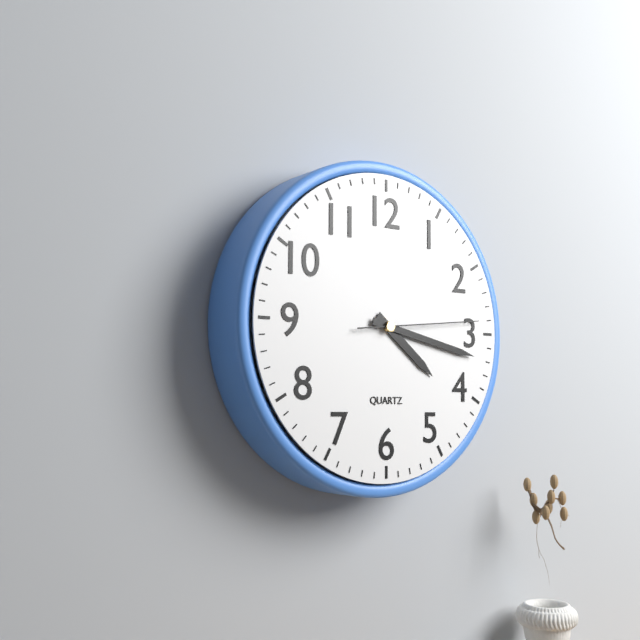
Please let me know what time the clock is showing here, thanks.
4:17:14
